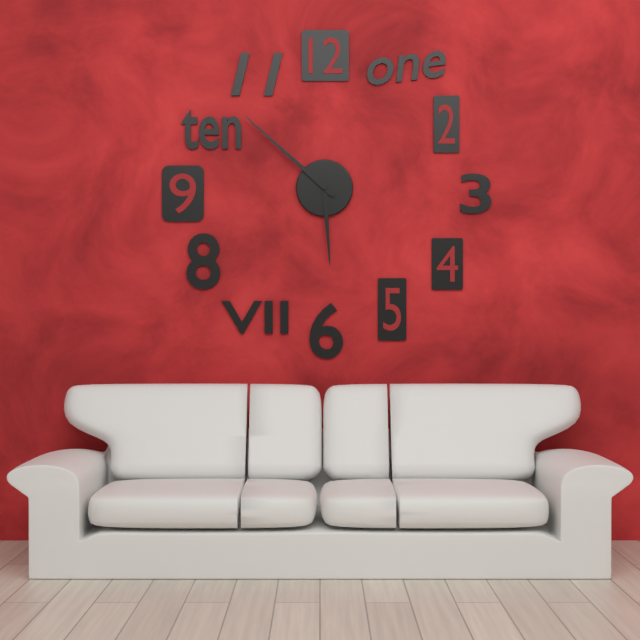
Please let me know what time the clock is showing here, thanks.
5:52
